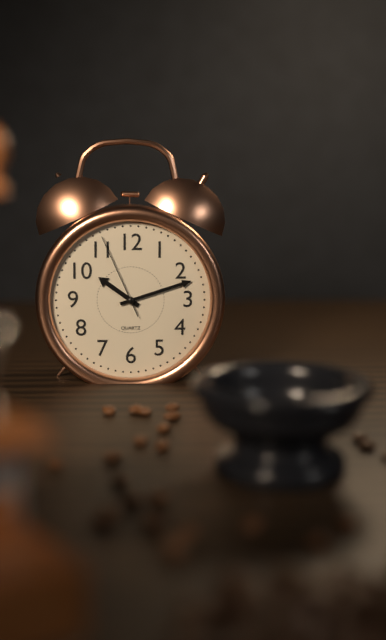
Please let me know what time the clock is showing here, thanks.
10:12:56
